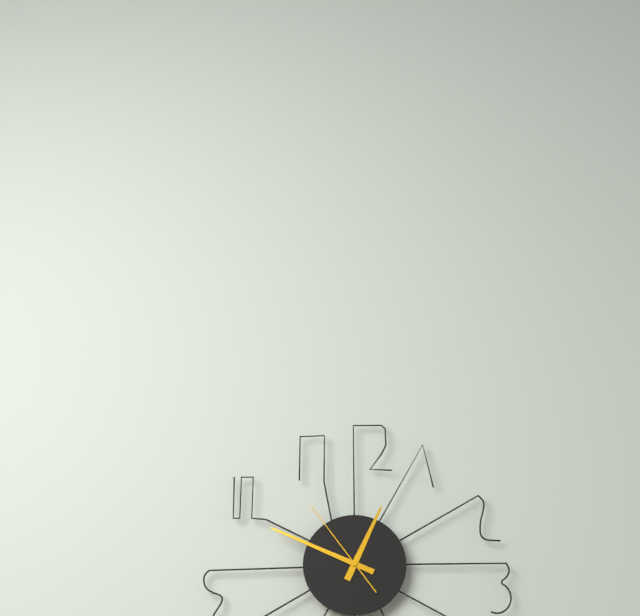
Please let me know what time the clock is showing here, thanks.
12:49:54
